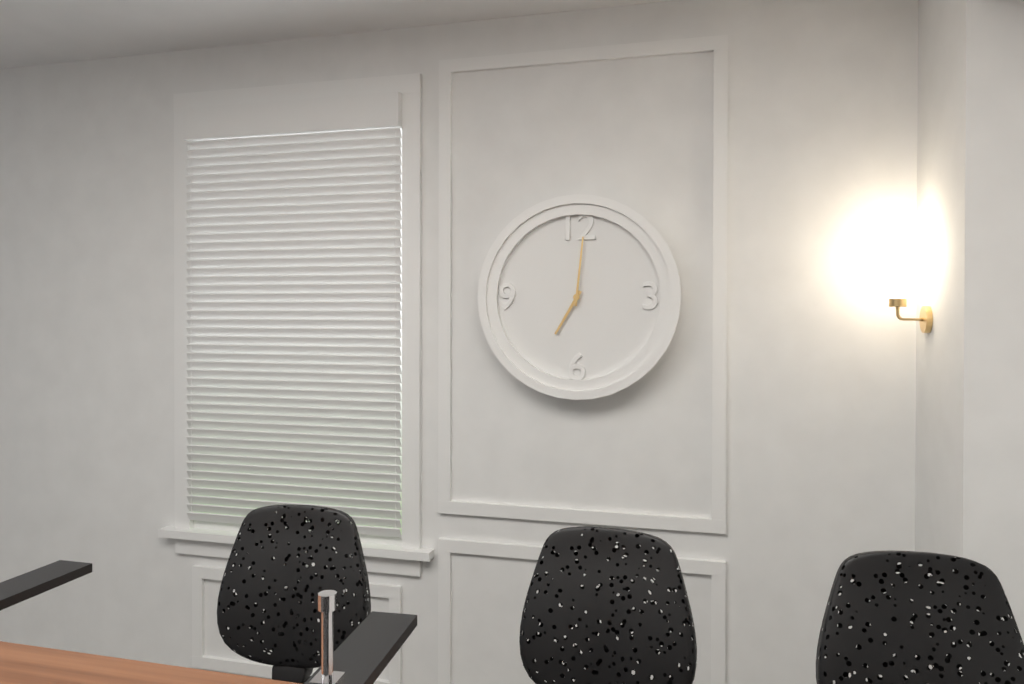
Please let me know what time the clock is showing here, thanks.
7:01
